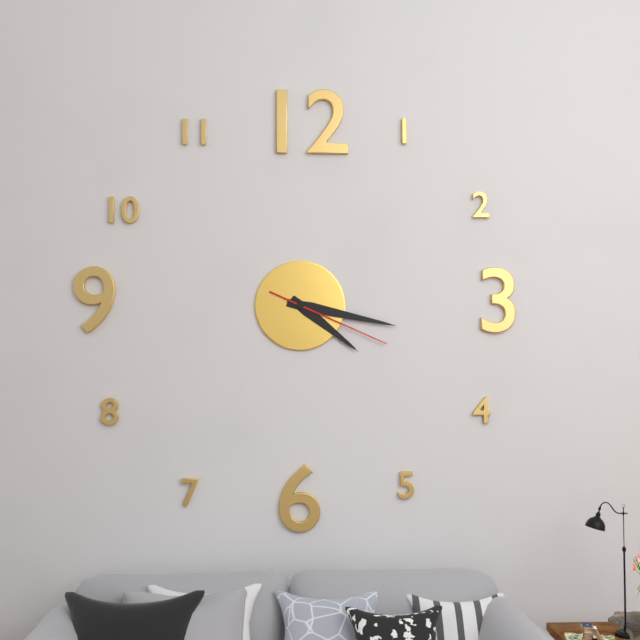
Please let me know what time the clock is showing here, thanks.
4:17:19
